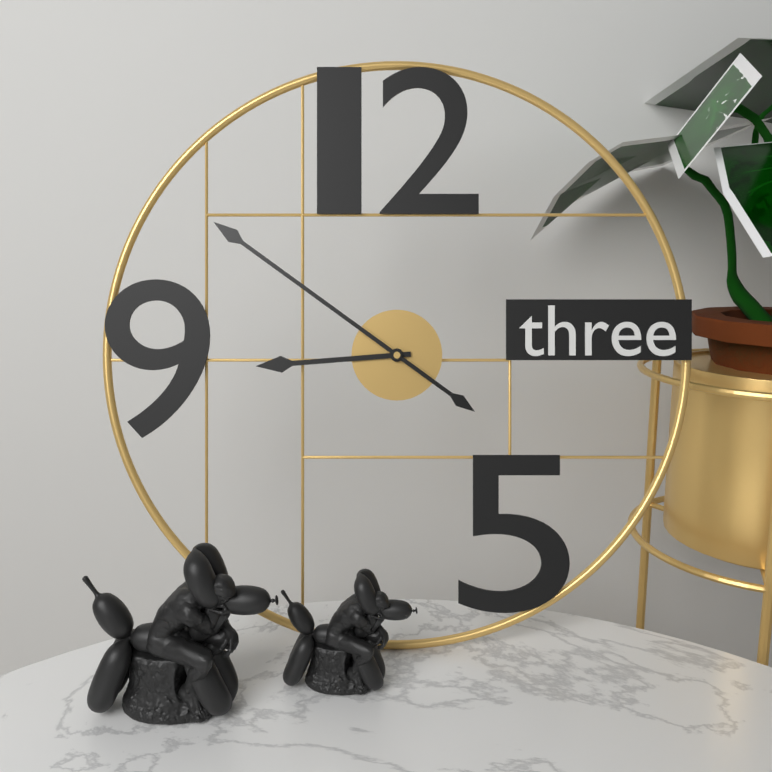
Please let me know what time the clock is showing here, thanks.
8:51
